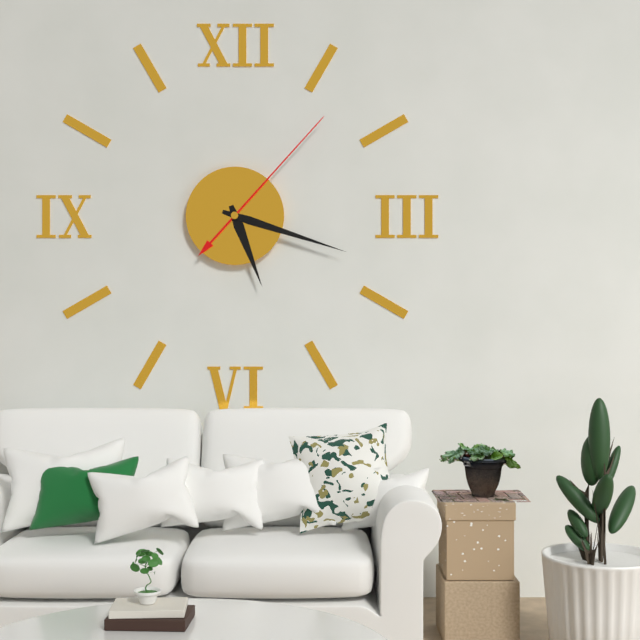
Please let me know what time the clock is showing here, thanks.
5:18:07
